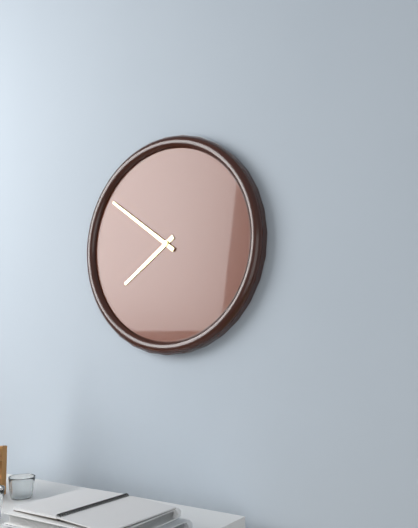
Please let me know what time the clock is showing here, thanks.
7:51
